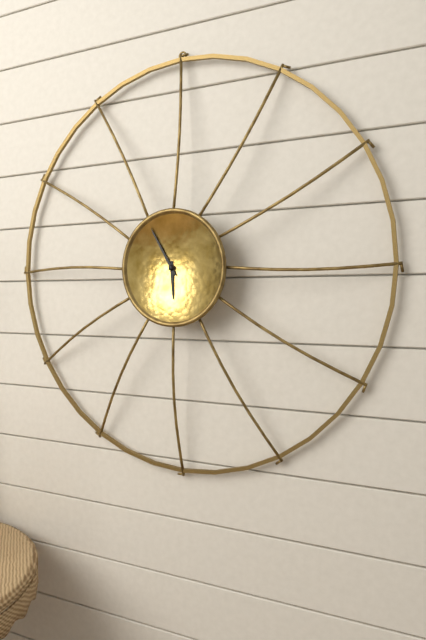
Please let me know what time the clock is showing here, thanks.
5:55
